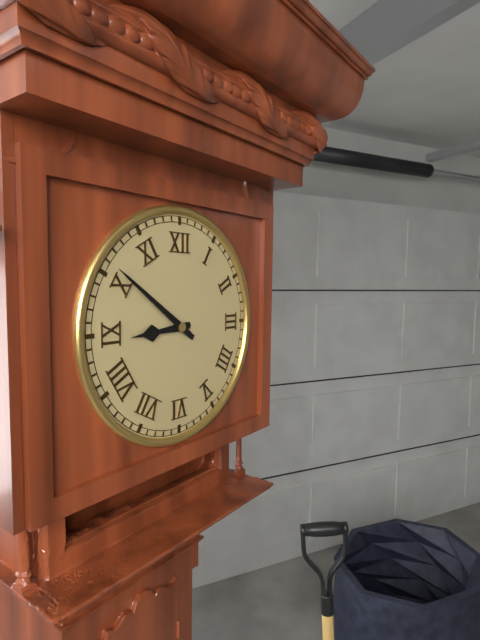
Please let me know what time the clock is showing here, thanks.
8:51
